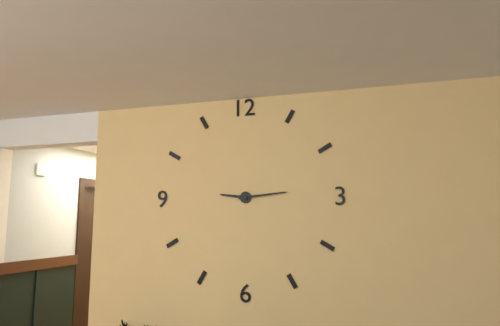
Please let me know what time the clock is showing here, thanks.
9:14
